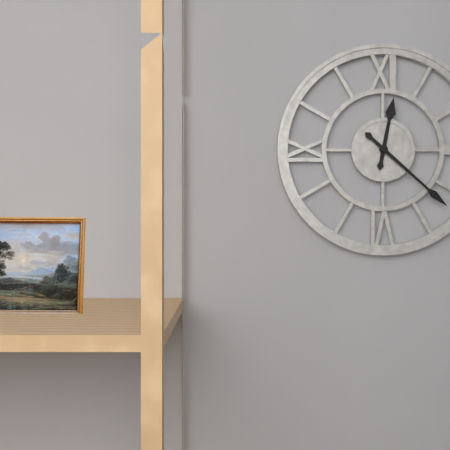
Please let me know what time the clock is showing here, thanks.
12:22
